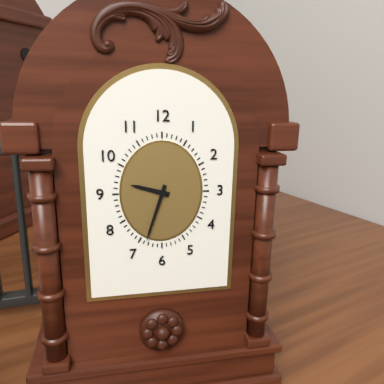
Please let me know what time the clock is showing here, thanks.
9:33
